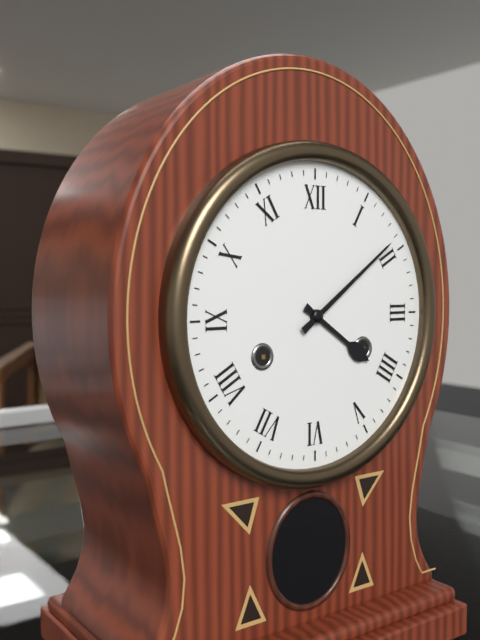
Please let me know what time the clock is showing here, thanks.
4:09
